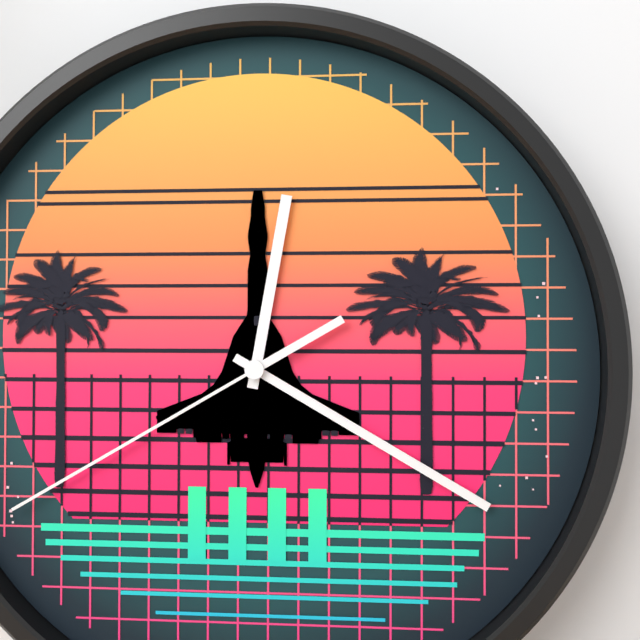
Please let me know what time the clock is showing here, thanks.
12:20:40
